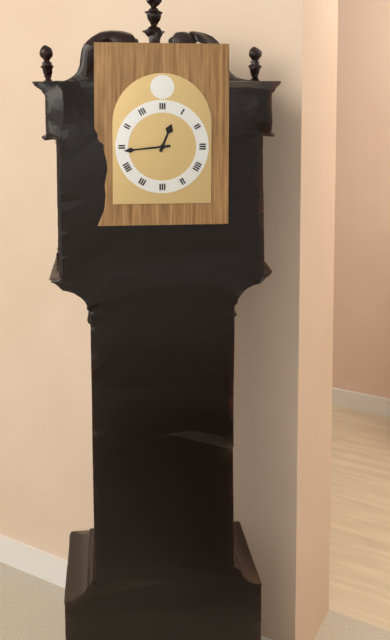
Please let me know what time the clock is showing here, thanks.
12:44
